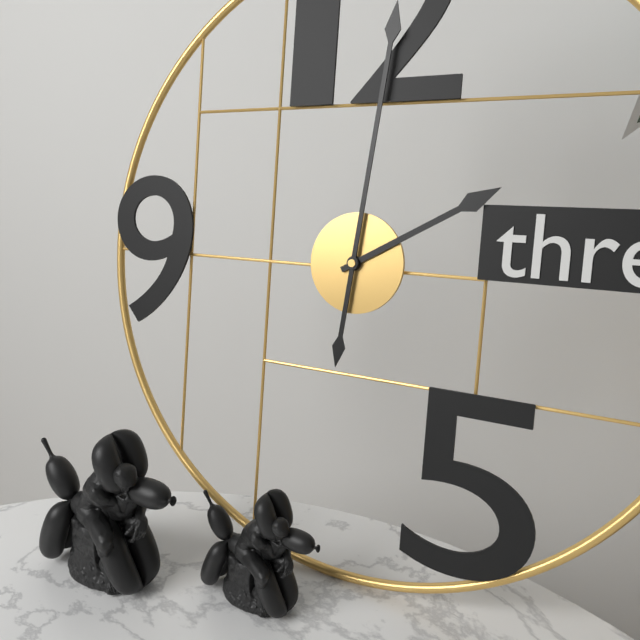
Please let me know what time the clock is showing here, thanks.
2:01
